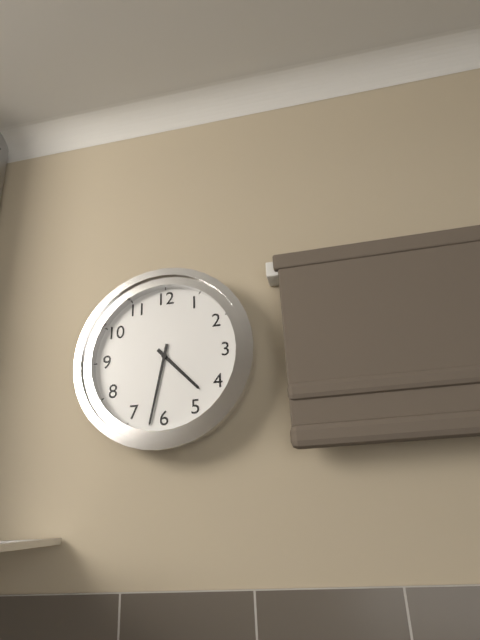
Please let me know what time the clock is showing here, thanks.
4:32
